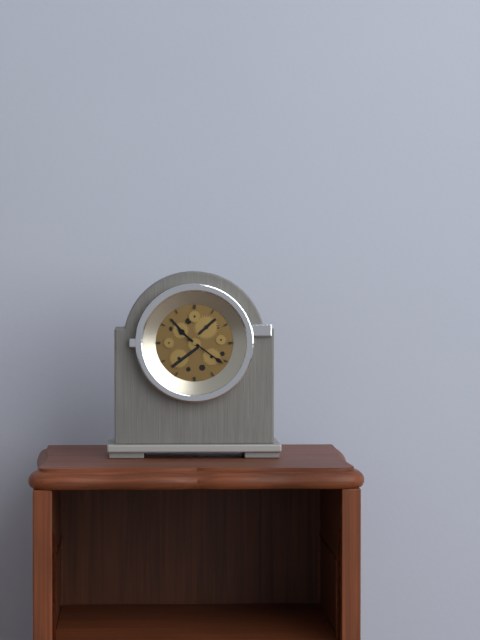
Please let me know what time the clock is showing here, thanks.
10:21
